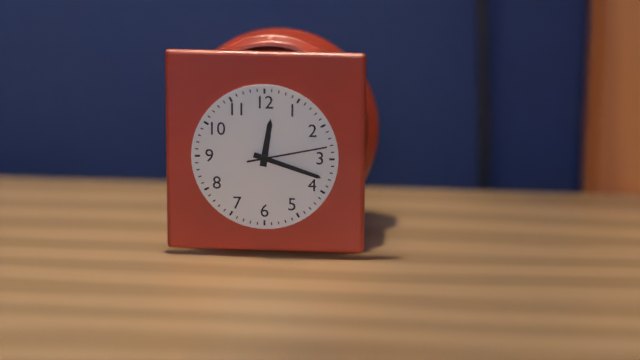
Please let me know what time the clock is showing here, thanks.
12:18:13
